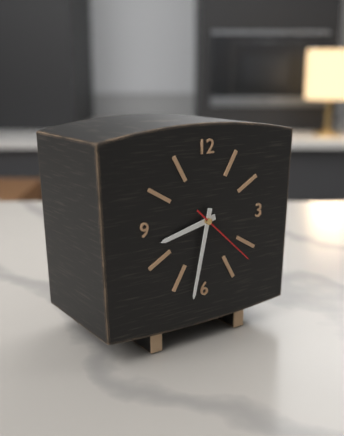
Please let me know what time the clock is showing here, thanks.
8:32:22
